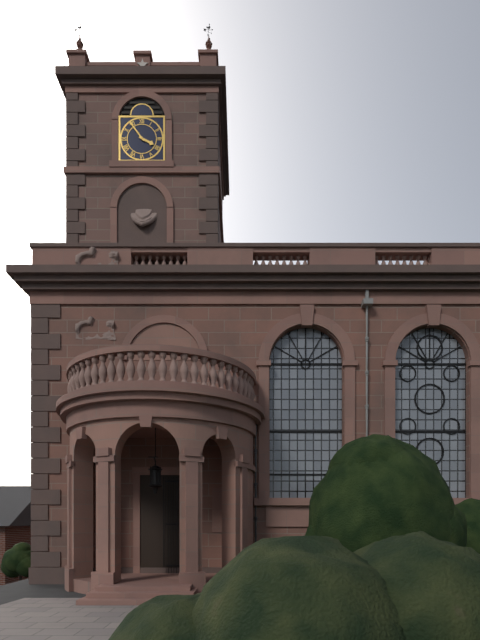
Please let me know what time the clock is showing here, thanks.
3:54
